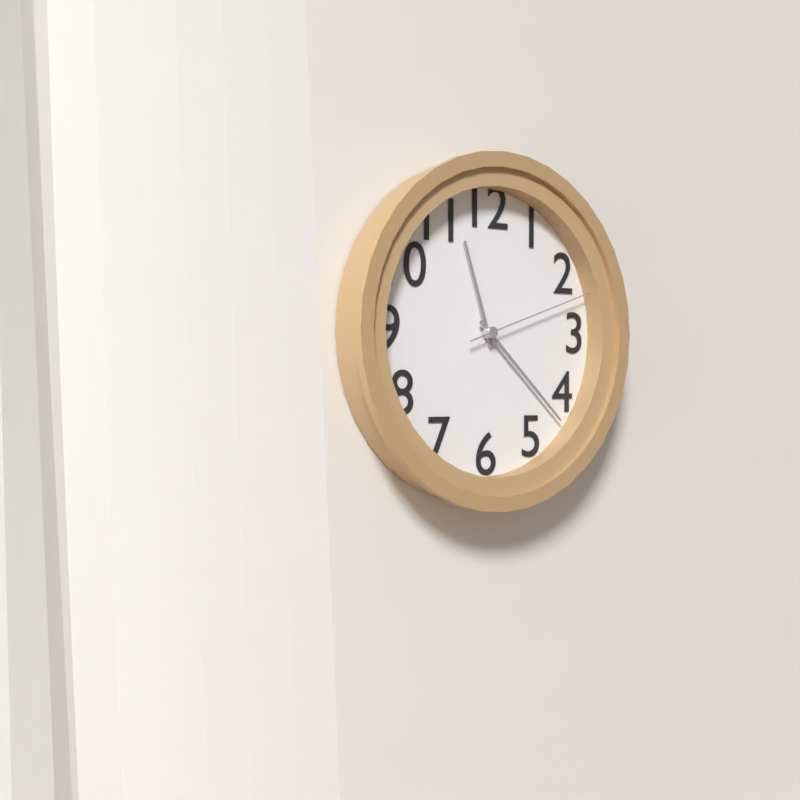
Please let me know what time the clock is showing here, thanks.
11:22:12
